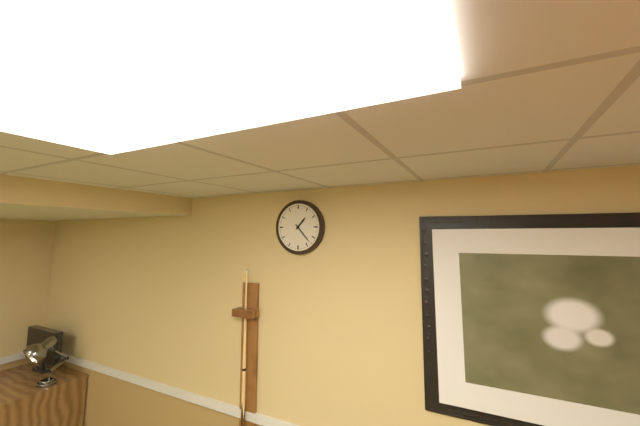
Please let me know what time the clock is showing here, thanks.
1:23
